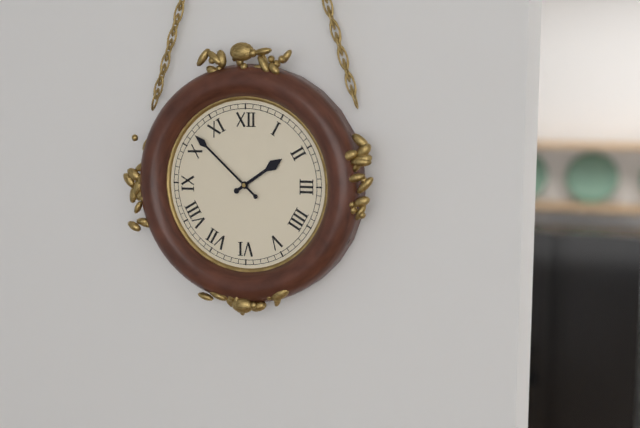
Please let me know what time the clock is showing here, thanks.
1:52
